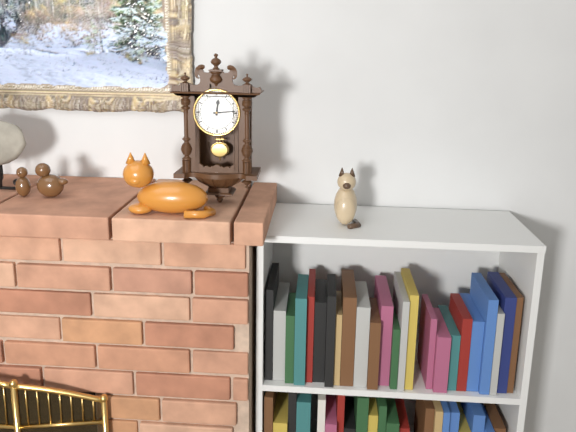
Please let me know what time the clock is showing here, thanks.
12:14
